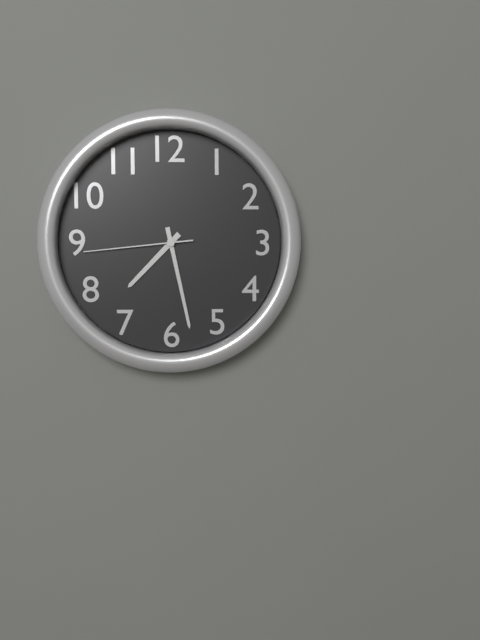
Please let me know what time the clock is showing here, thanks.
7:28:44
